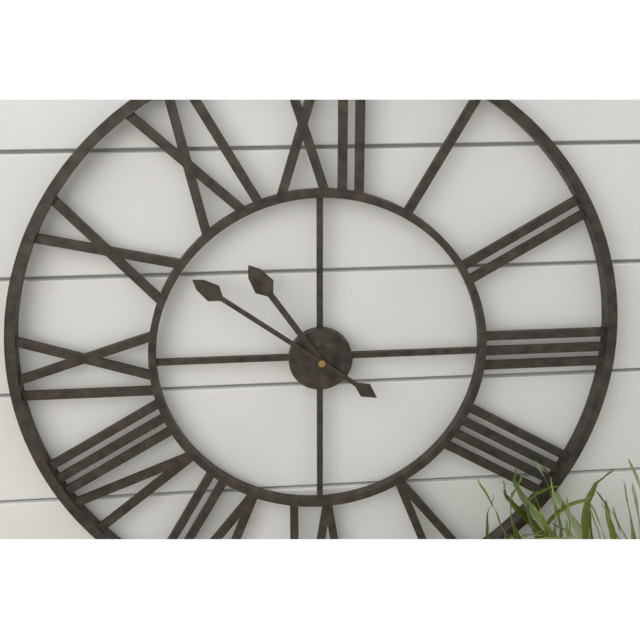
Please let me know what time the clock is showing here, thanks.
10:51
